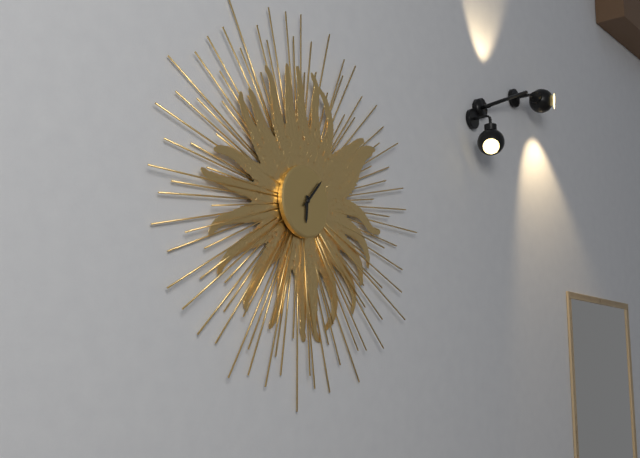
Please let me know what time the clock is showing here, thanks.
6:07
